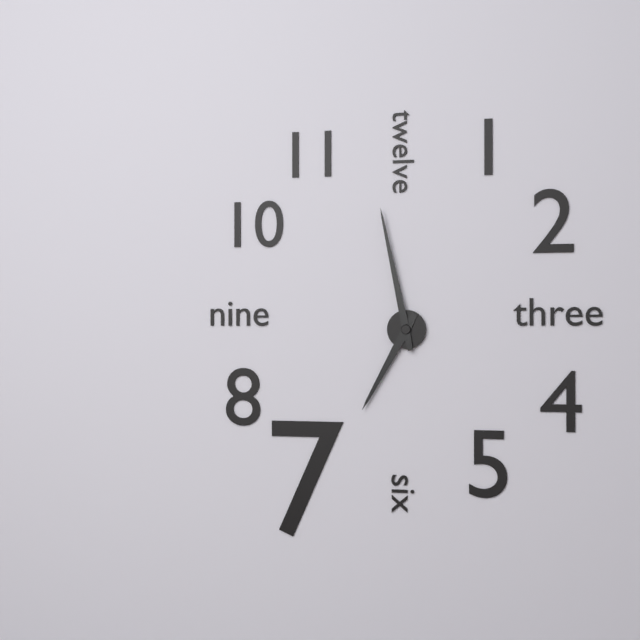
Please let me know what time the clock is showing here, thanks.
6:58
